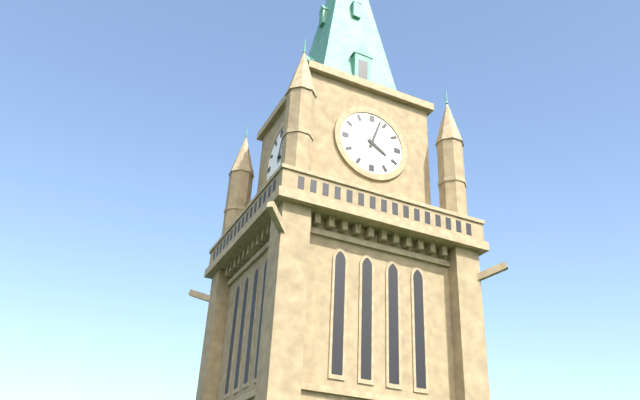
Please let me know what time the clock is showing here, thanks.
4:03
